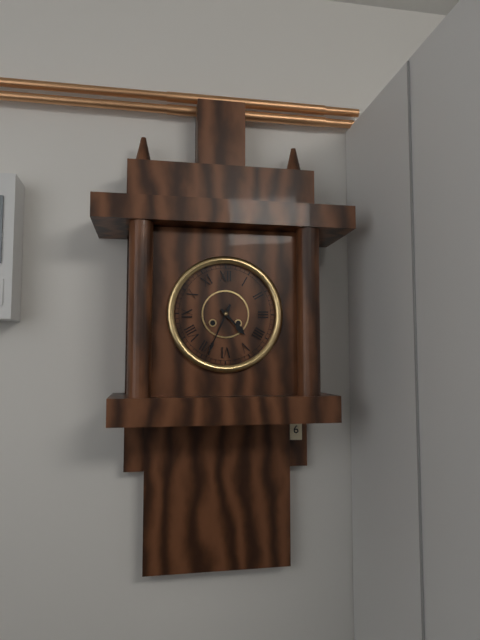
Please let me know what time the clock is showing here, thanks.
4:34
